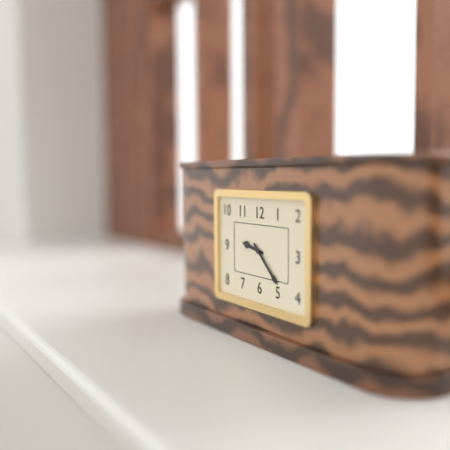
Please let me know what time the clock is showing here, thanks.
9:22
